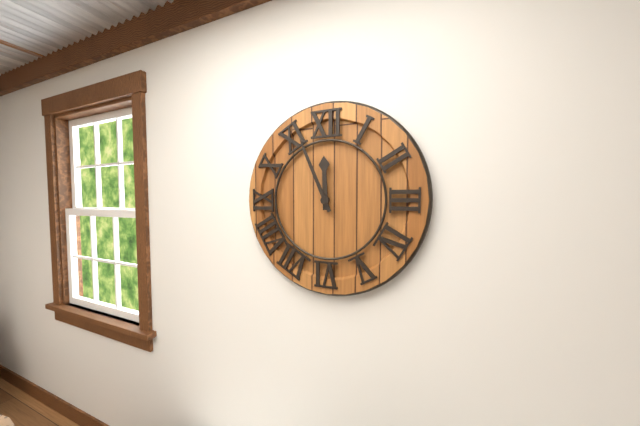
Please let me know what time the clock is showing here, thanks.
11:56
